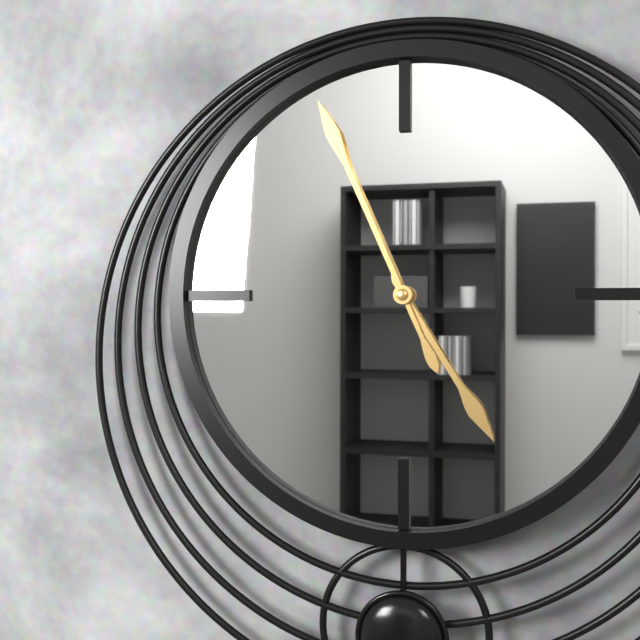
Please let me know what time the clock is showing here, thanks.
4:56
